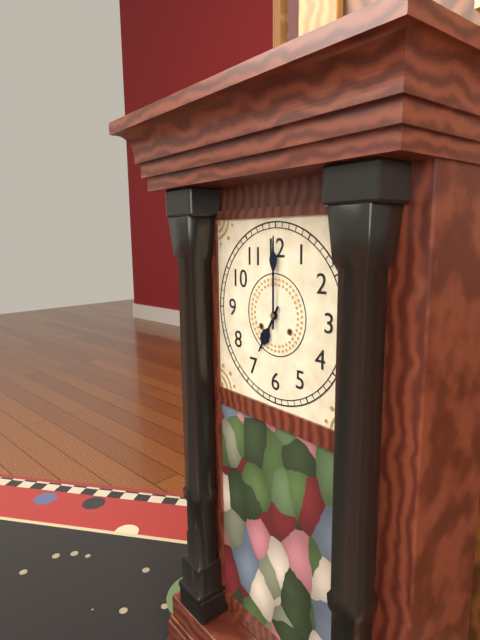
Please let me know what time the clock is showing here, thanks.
7:00
